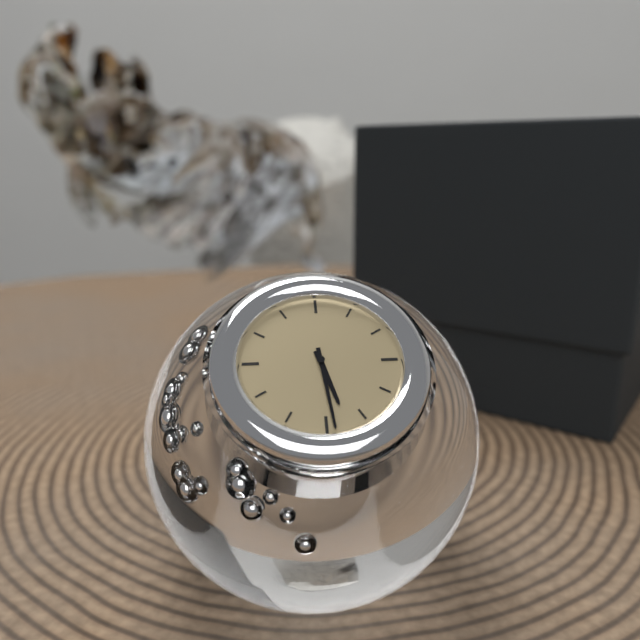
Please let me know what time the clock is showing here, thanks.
5:29
